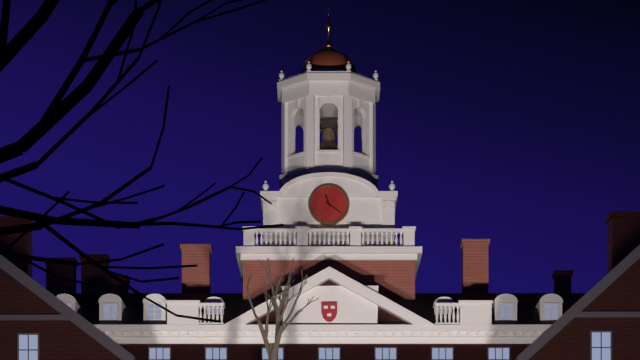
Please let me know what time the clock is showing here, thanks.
11:21
